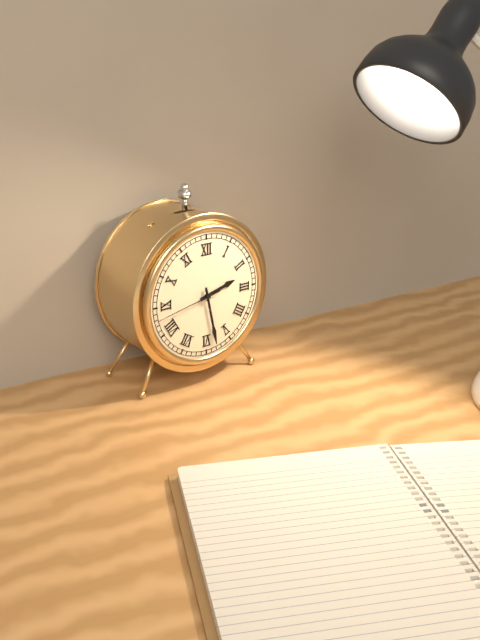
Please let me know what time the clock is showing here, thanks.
2:28:43
